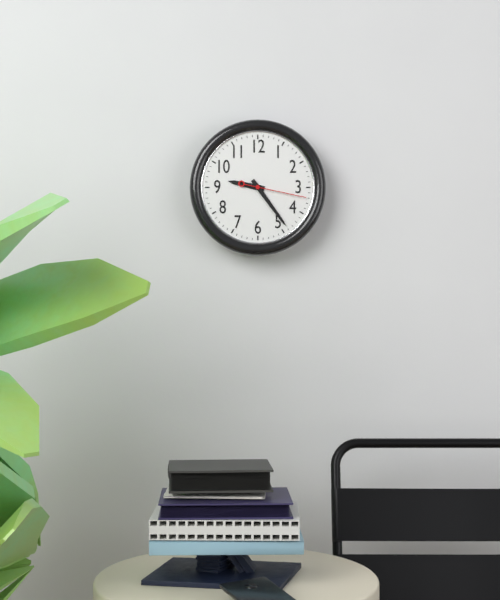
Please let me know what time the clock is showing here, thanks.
9:24:17
